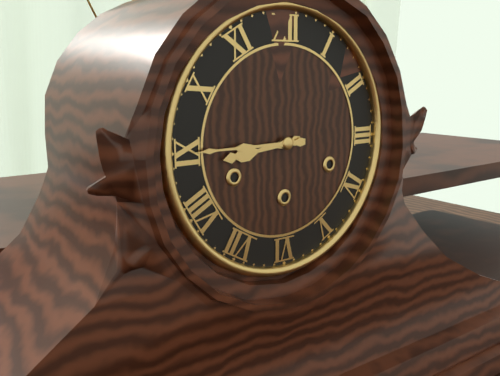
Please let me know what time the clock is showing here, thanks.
8:45
